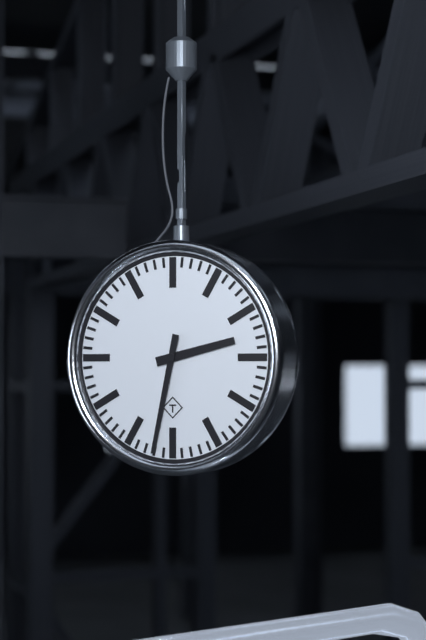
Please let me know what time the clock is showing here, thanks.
2:32
